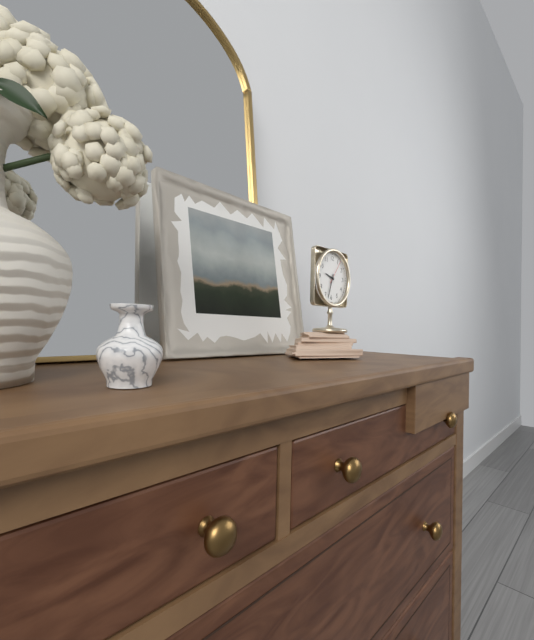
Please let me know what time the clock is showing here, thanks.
9:33
